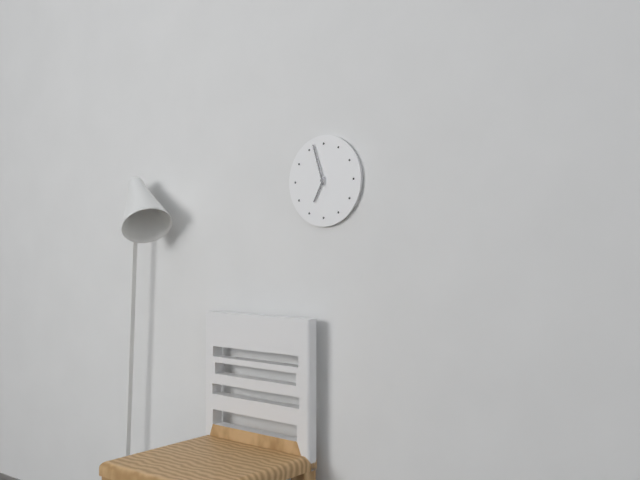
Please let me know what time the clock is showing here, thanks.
6:57
